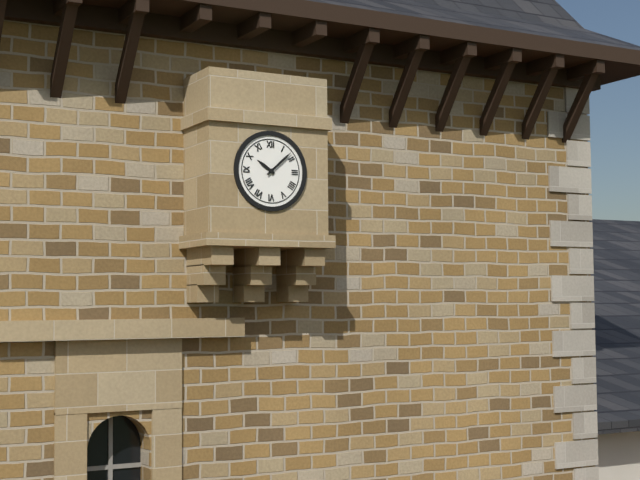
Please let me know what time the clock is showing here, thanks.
10:08
